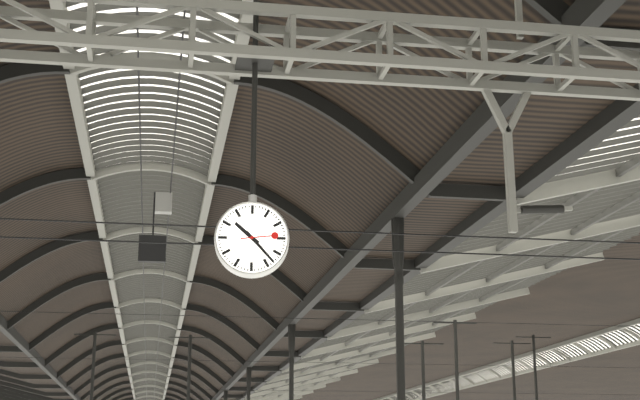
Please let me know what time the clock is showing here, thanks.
10:23
